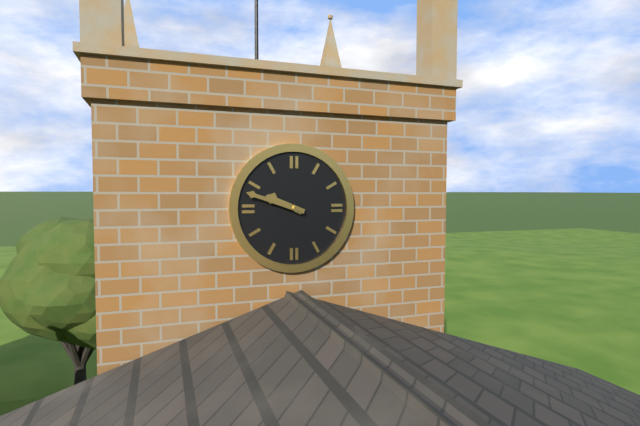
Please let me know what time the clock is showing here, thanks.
9:48
